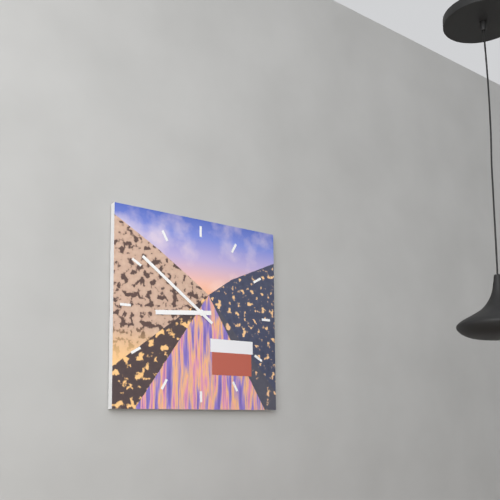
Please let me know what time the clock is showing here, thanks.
8:51
